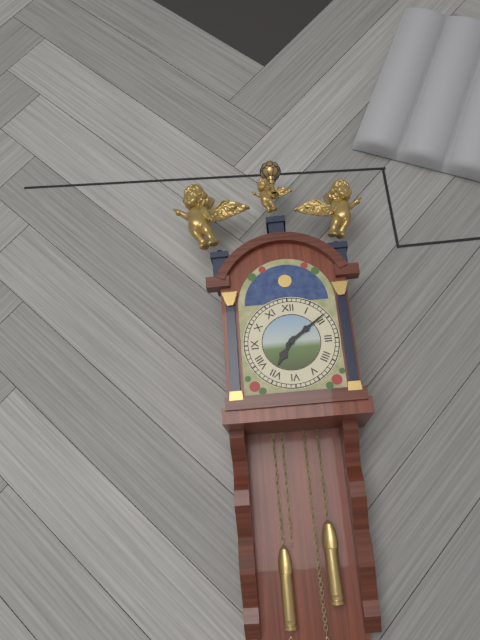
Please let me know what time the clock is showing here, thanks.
7:09
